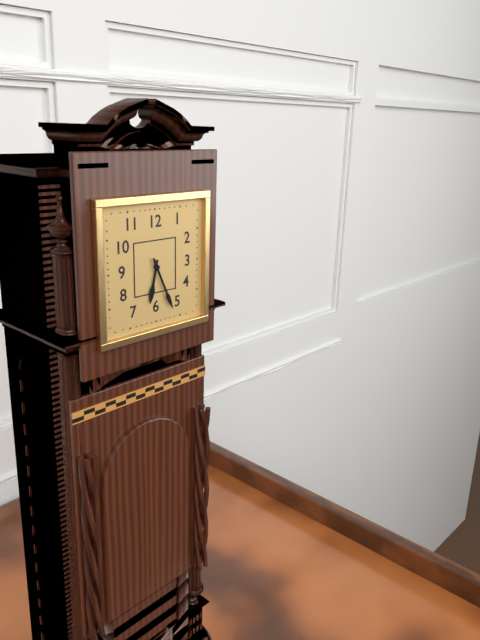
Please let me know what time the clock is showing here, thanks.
6:26
